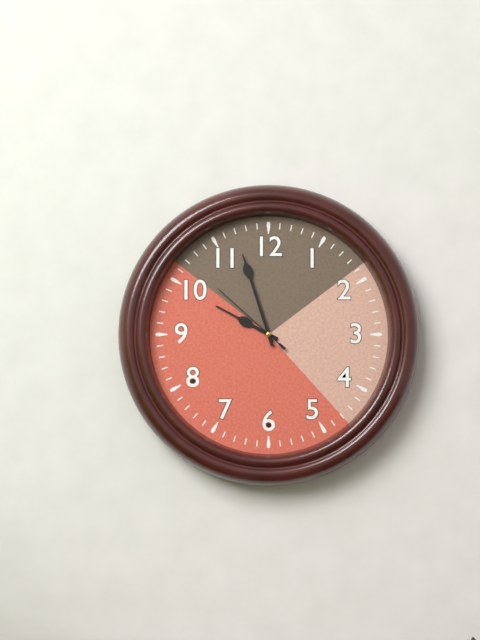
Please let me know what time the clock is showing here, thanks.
9:57:52
